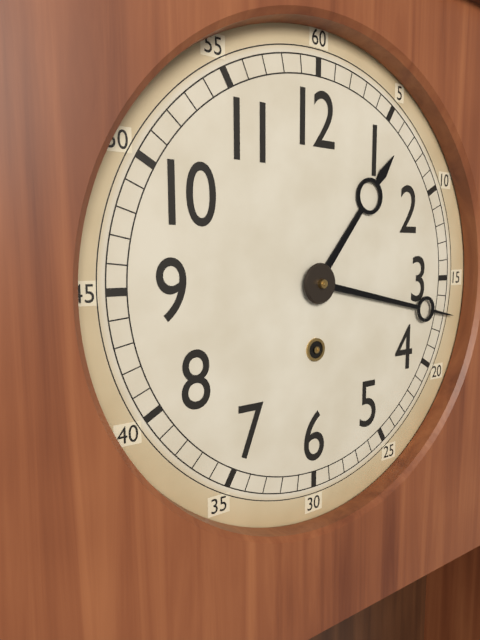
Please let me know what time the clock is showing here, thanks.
1:17
